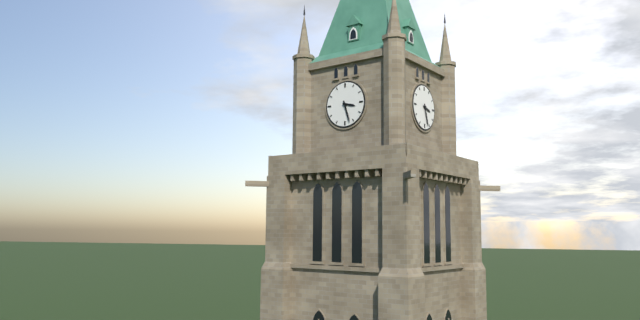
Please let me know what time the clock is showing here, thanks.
3:27
